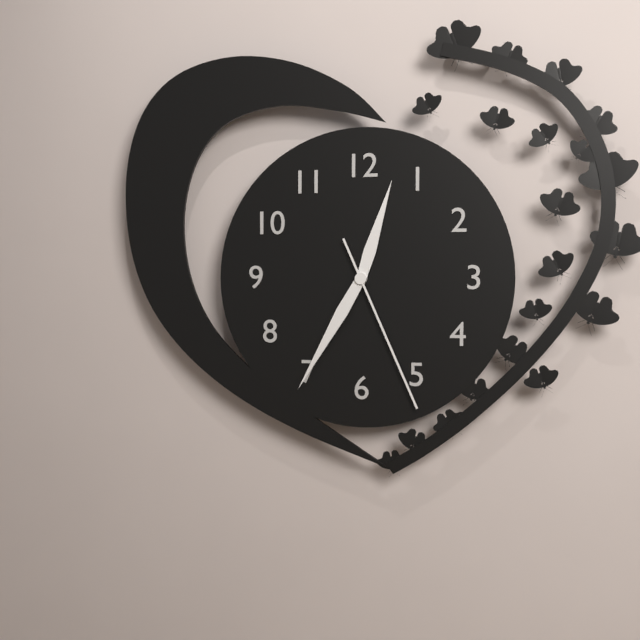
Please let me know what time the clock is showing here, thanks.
12:35:26
